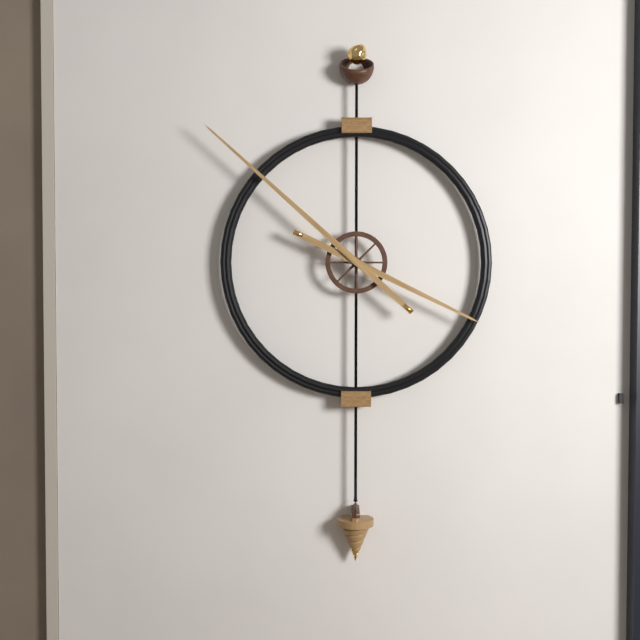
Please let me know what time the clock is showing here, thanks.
3:52
